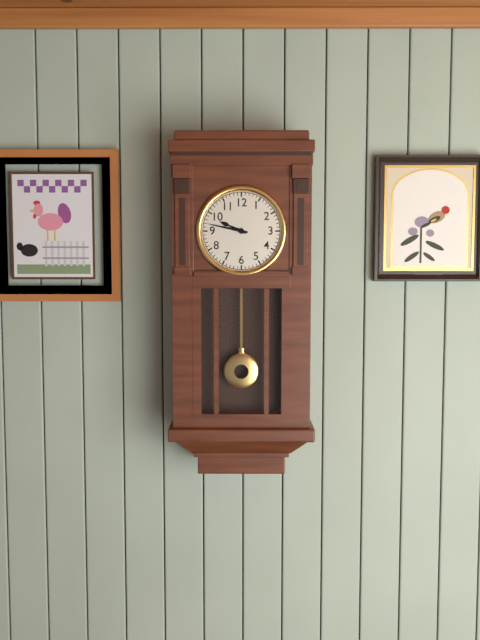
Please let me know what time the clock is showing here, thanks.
9:47
